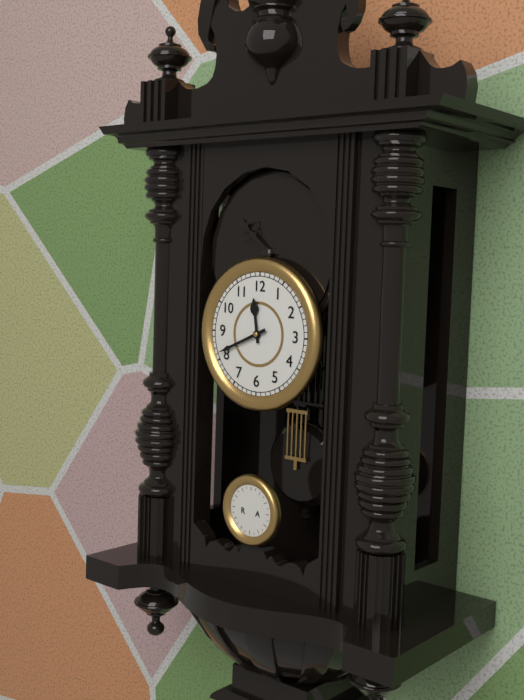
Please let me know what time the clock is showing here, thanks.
11:41
